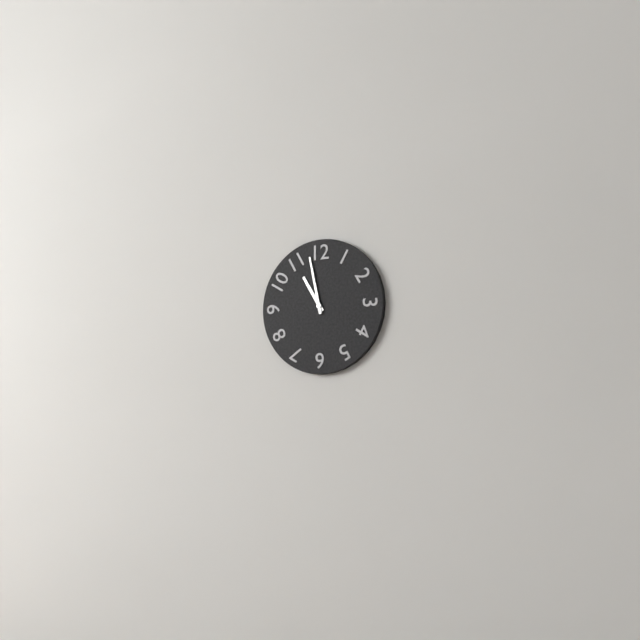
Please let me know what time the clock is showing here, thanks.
10:58
